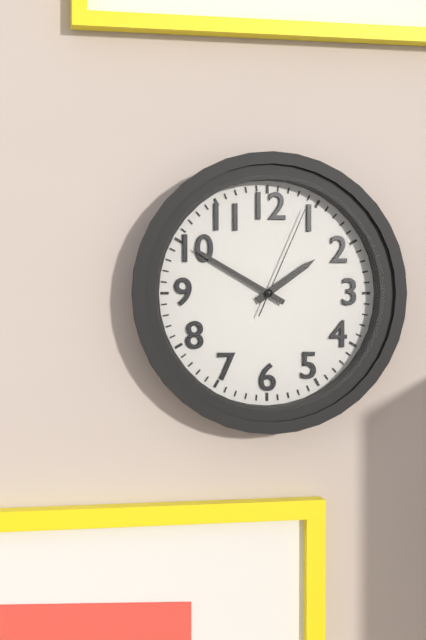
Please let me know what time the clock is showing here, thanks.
1:50:04
